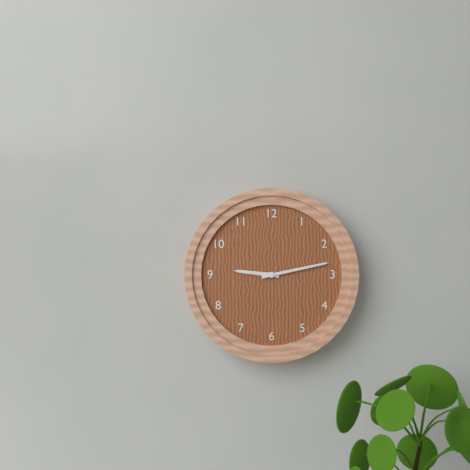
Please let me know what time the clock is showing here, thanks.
9:13
